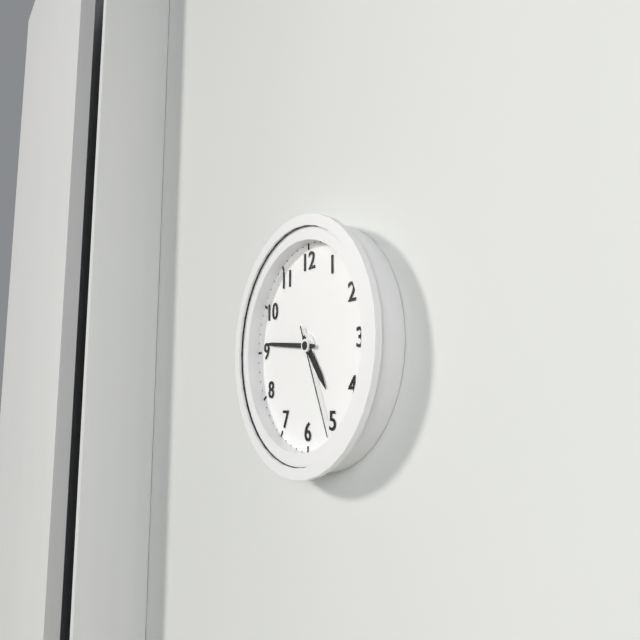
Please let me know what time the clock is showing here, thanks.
4:46:26
